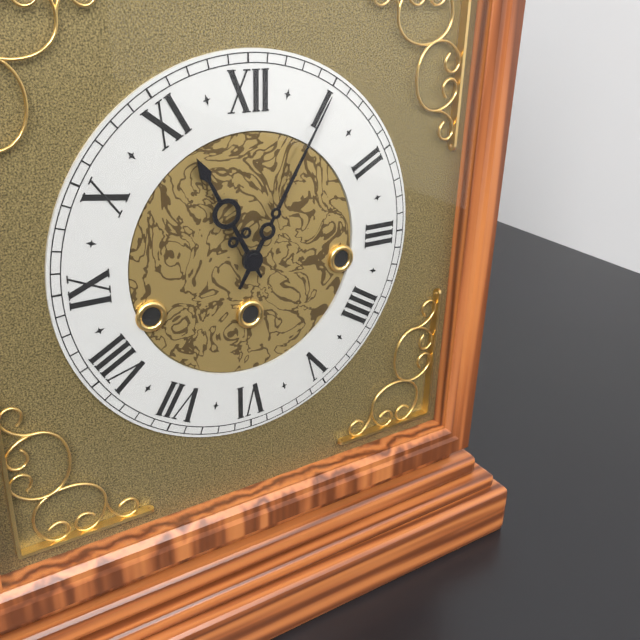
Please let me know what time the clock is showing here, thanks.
11:05
